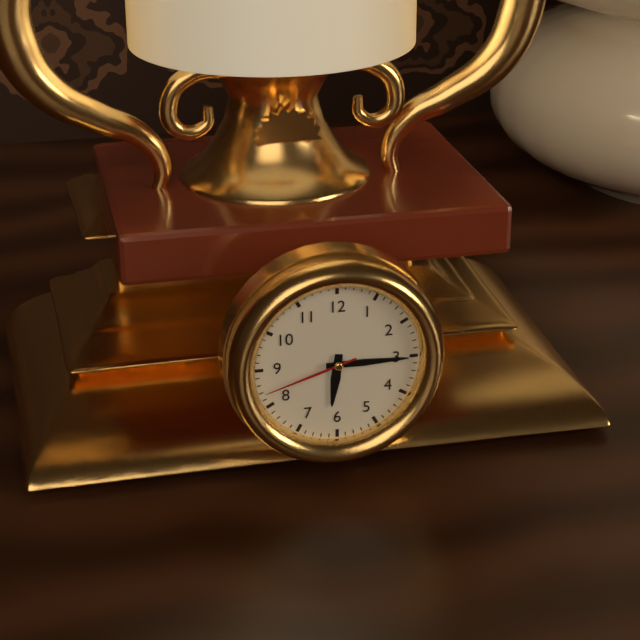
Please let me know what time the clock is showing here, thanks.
6:15:42
